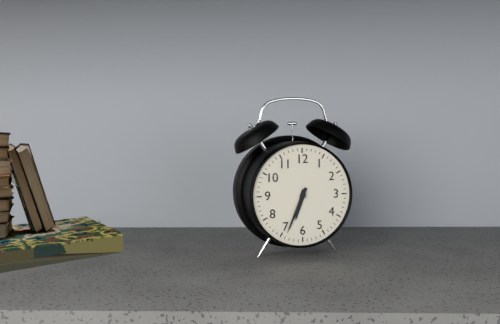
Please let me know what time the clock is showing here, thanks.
6:34
